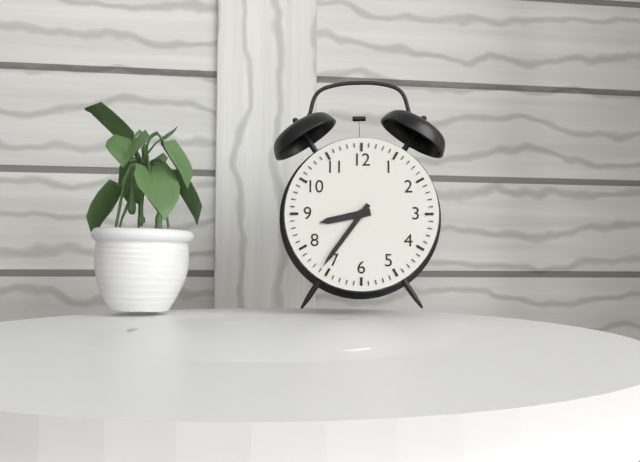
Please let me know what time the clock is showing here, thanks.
8:36
